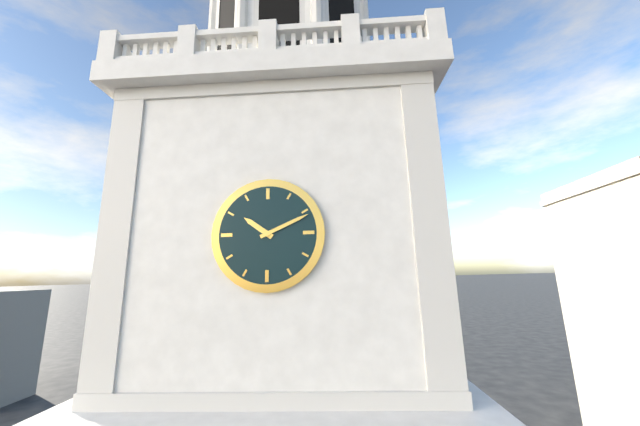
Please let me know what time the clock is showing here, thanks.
10:11
